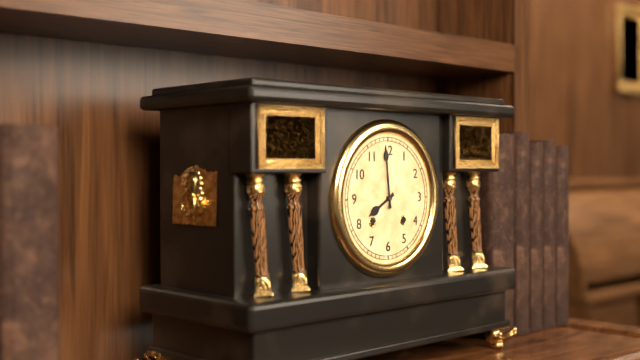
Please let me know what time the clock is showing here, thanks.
7:59
